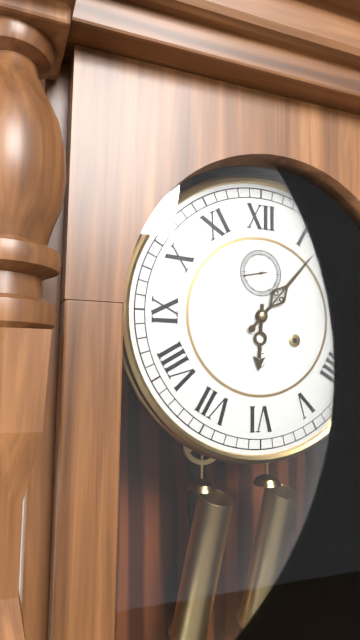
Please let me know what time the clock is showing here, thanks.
6:07
